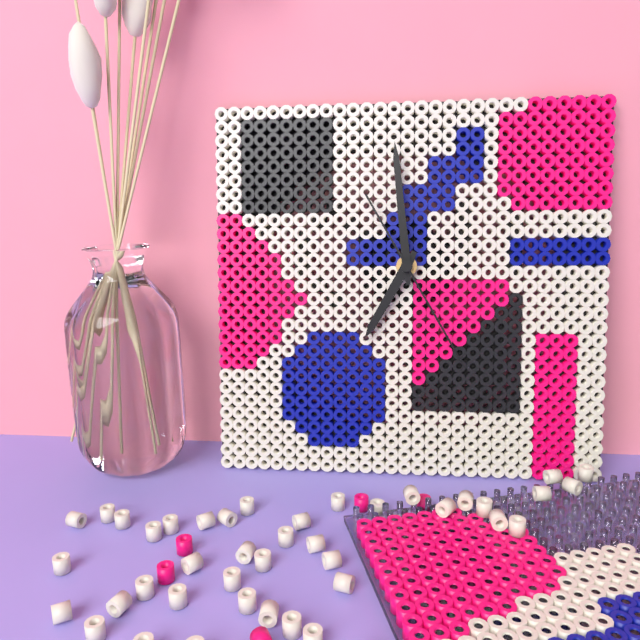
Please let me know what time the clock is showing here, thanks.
6:59:25
